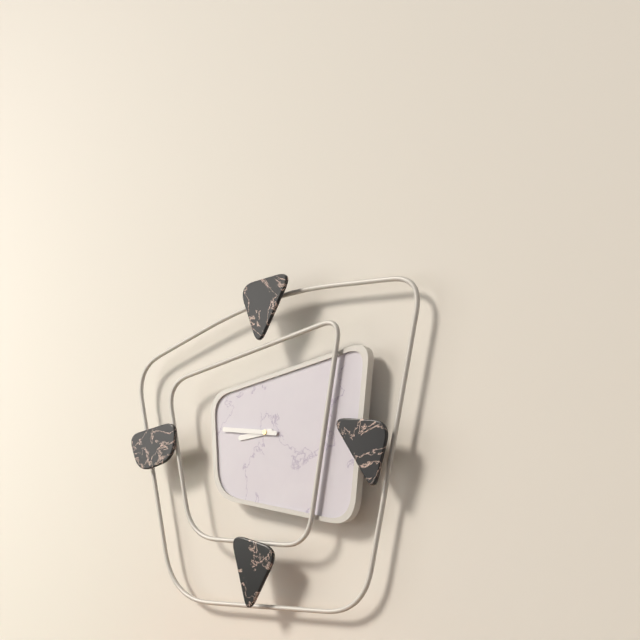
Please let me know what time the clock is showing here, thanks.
8:46
